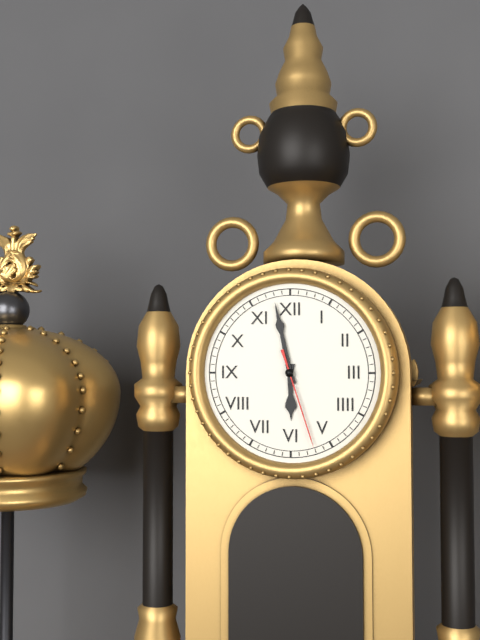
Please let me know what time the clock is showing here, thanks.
5:58:27
